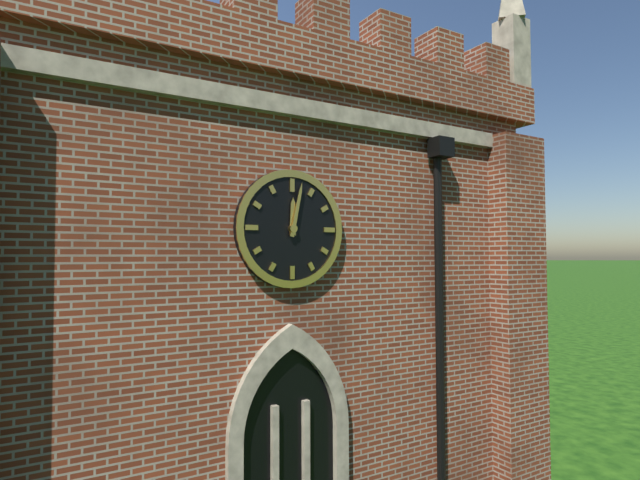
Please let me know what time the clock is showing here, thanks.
12:02
